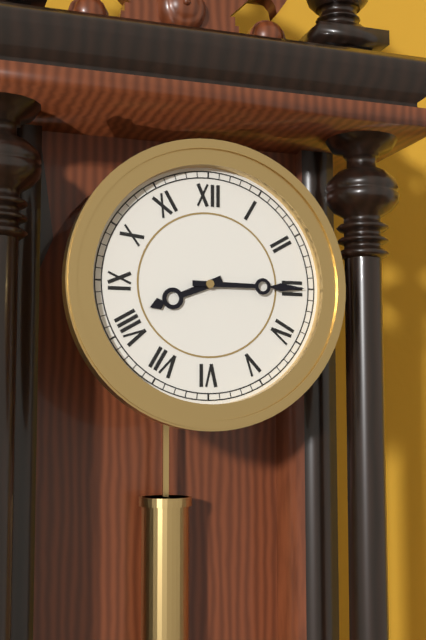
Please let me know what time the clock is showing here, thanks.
8:15
